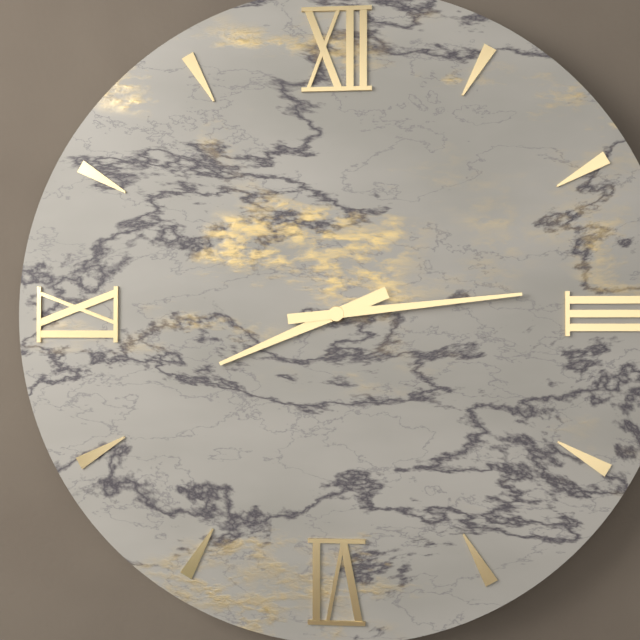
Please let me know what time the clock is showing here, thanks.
8:14
